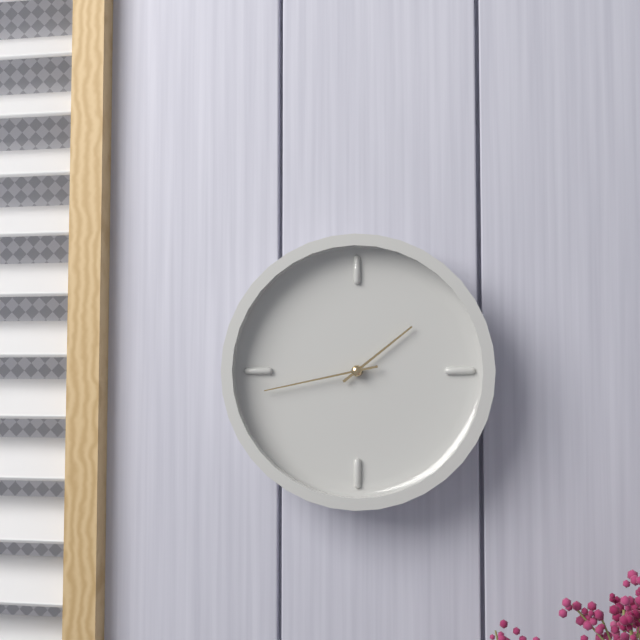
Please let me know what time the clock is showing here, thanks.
1:43
